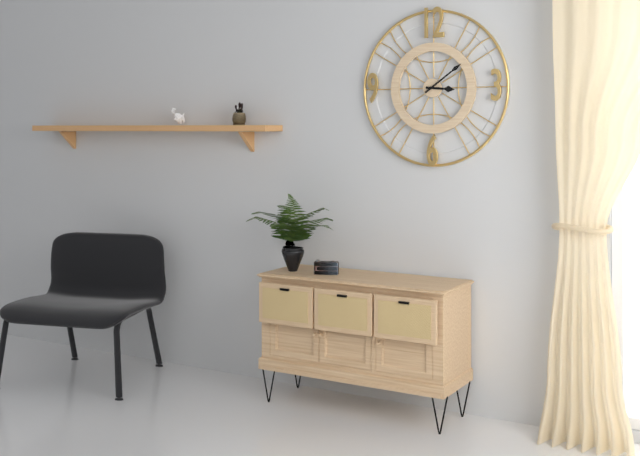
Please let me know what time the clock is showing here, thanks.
3:09
